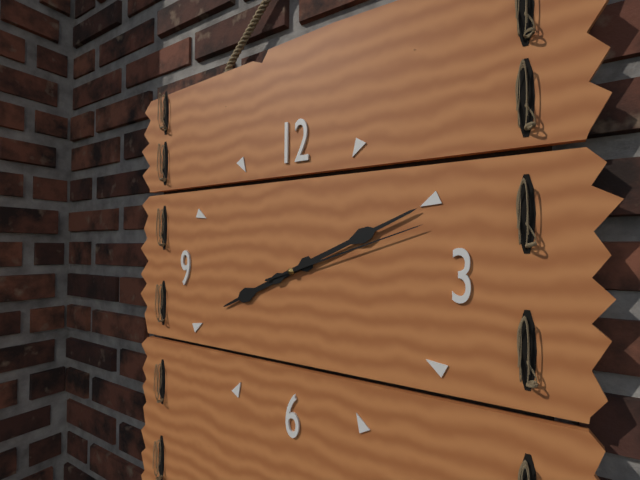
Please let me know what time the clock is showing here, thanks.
8:11:12
